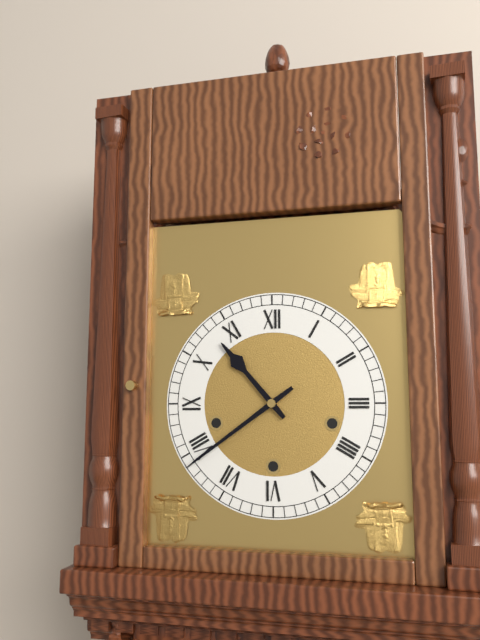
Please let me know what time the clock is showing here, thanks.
10:39
